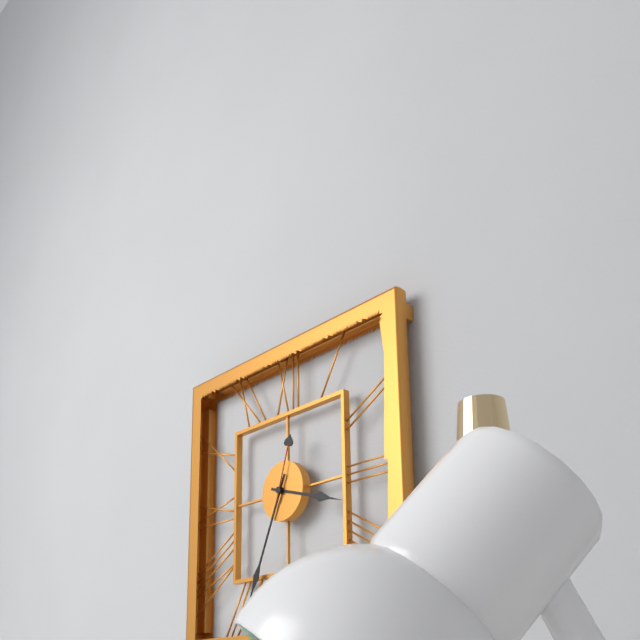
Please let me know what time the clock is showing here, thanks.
3:34:03
